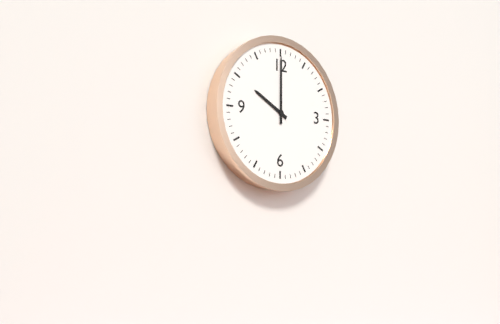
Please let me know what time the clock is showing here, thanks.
10:00
